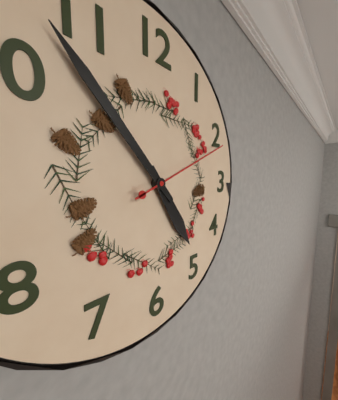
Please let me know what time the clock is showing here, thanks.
4:53:11
